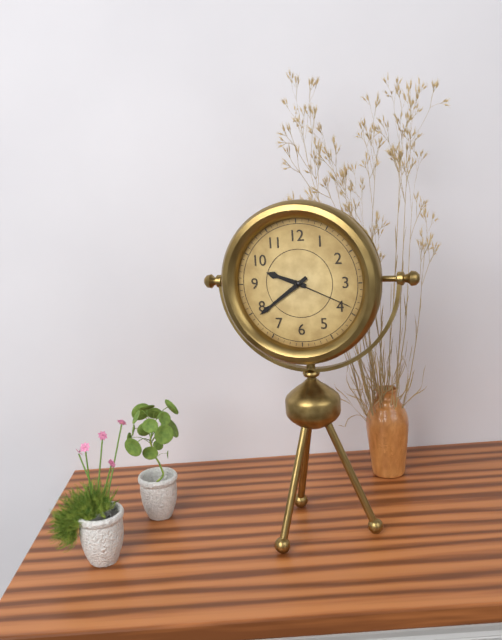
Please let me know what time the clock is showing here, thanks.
9:39:19
